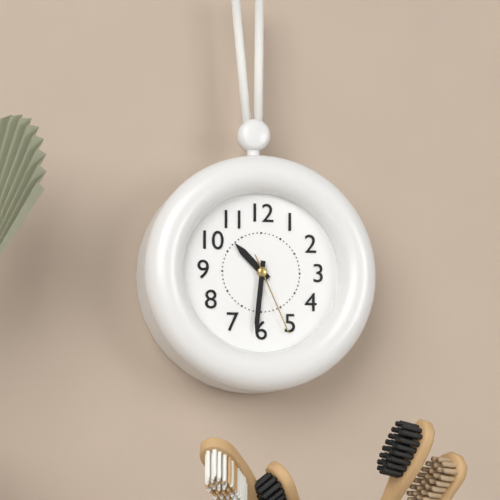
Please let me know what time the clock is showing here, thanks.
10:31:26
